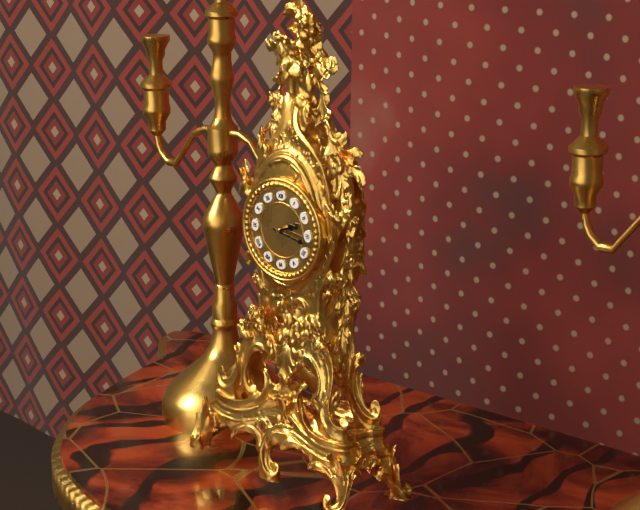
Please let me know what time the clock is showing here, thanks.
2:17
